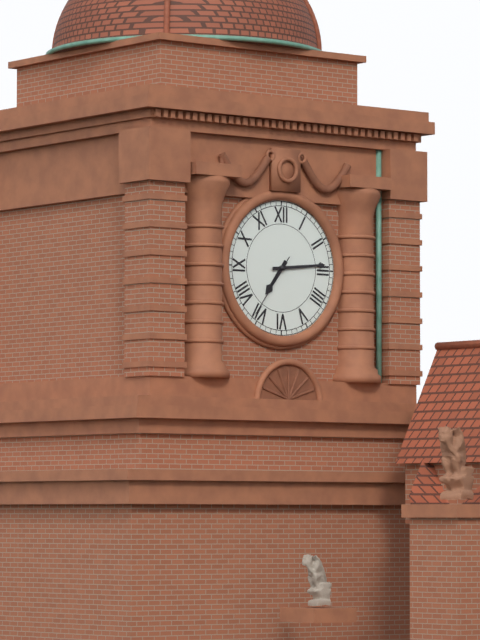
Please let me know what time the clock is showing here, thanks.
7:14:36
